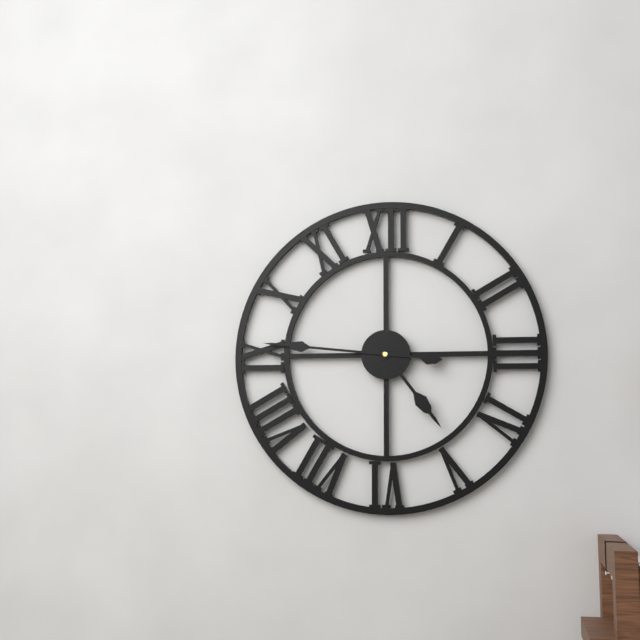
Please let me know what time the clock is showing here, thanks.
4:46
